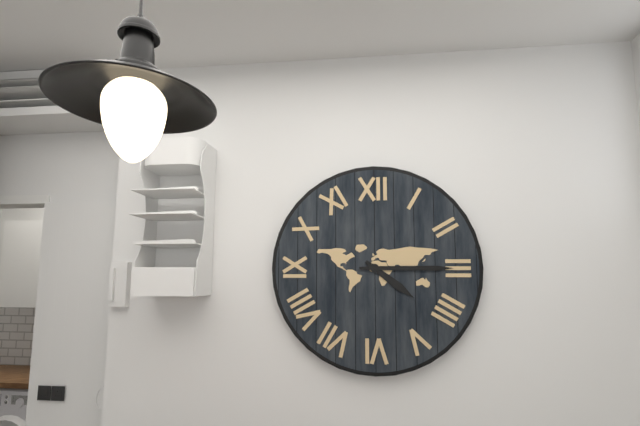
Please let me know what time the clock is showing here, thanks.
4:15
